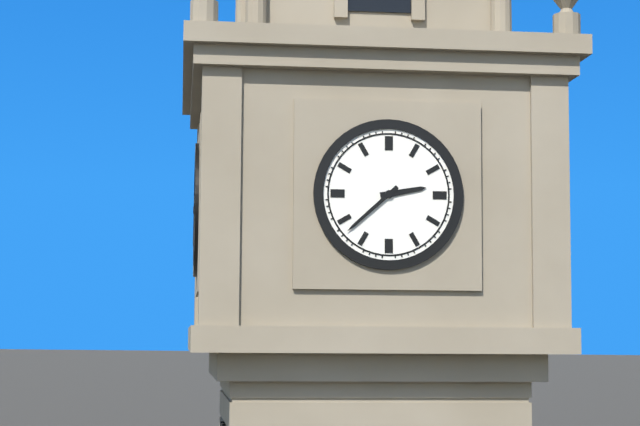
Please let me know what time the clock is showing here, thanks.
2:38
